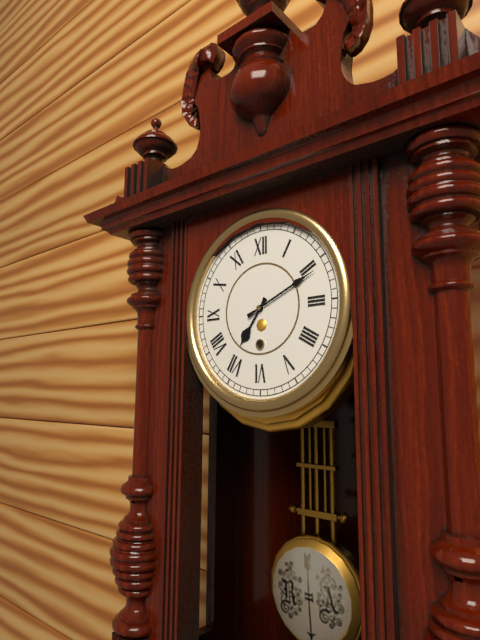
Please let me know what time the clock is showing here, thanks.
7:11
